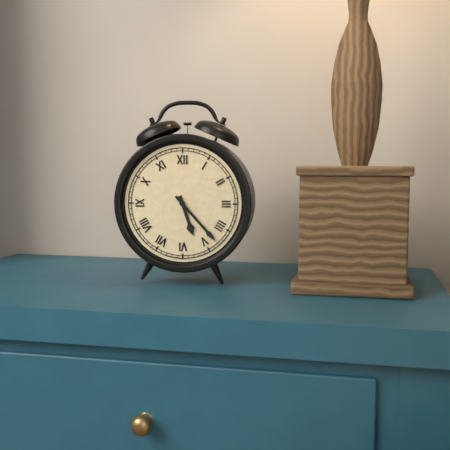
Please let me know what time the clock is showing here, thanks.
5:23
